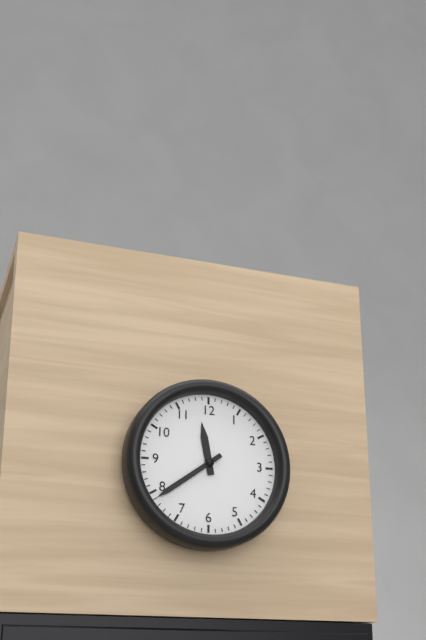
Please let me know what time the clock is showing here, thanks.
11:39
